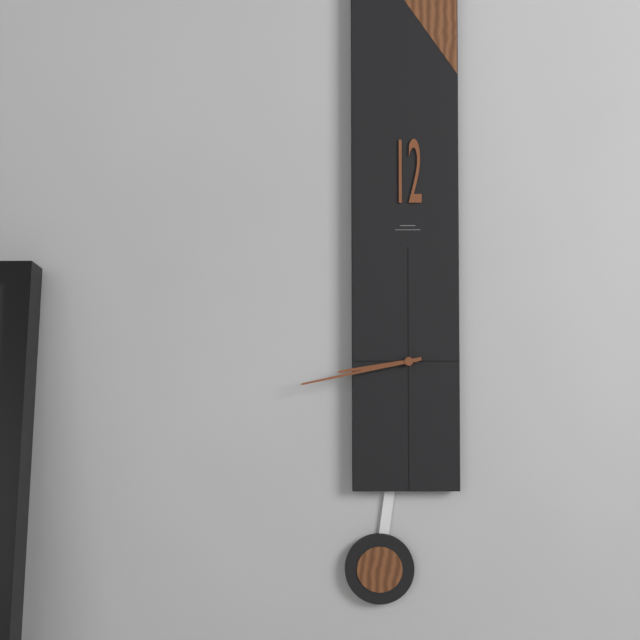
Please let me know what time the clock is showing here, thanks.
8:43
